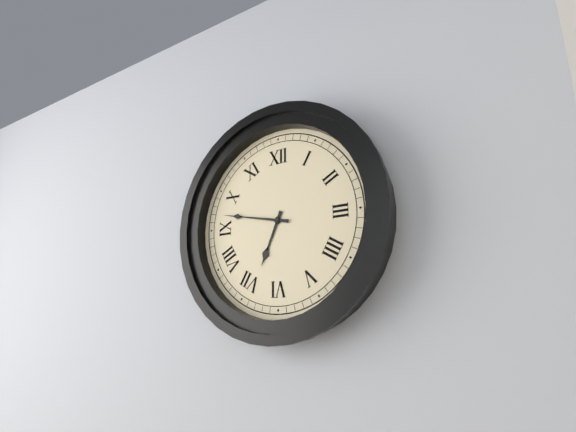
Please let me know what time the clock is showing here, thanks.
6:47
